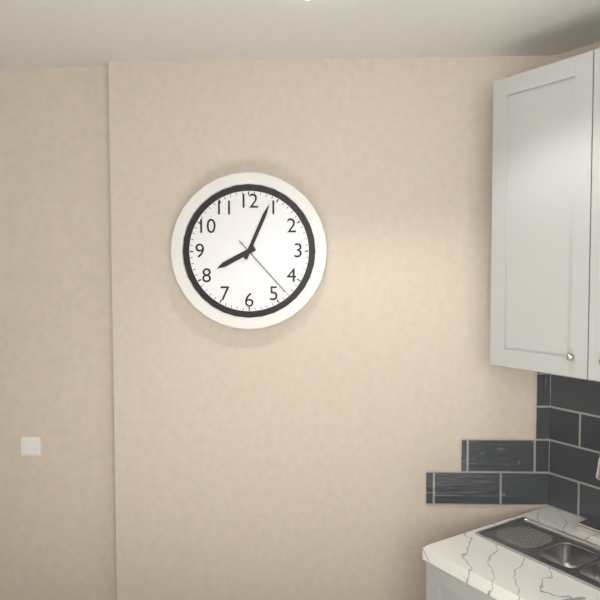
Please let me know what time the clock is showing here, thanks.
8:04:23
